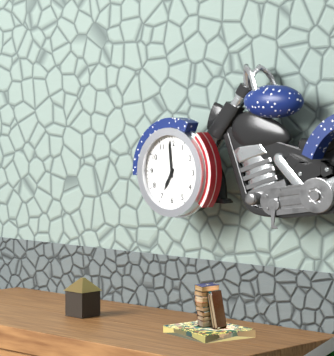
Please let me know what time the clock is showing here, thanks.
6:59
